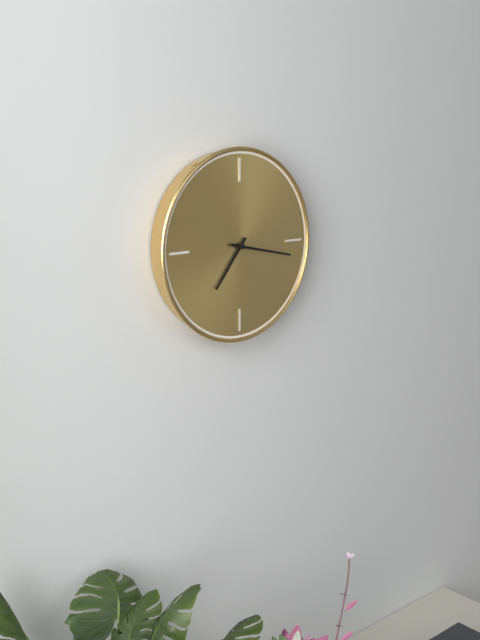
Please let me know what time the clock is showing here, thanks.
7:17
